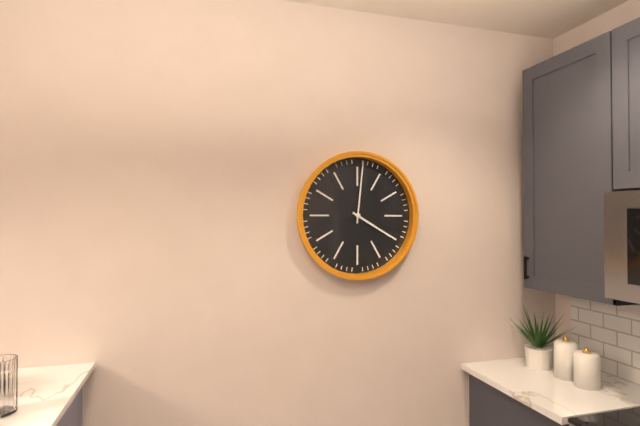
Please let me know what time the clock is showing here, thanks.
4:01
